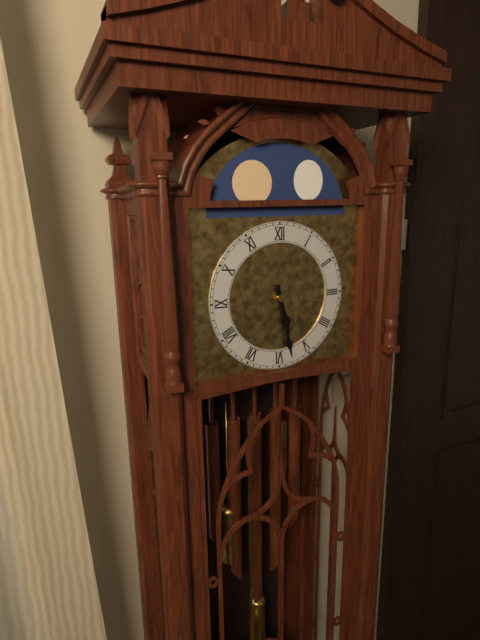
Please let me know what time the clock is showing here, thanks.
5:28
